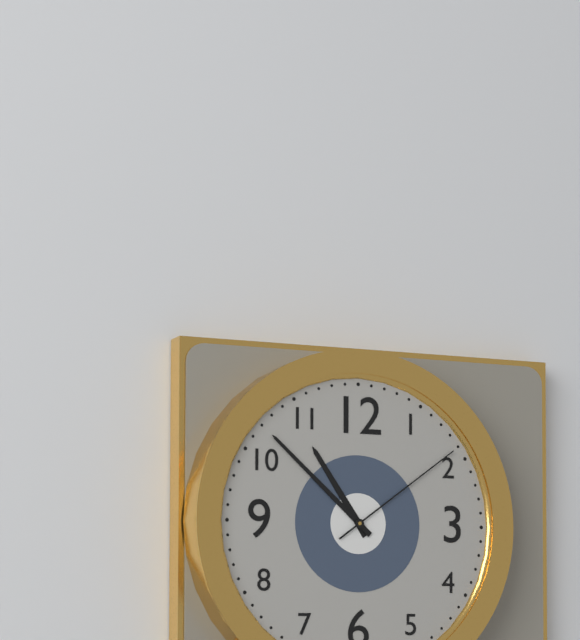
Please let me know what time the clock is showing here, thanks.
10:52:09
